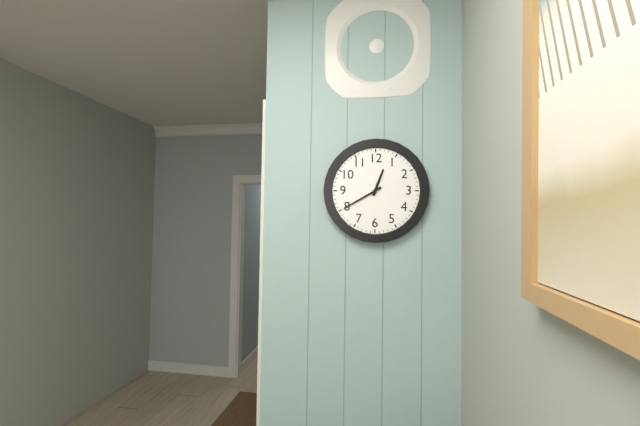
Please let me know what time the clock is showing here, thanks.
12:40
